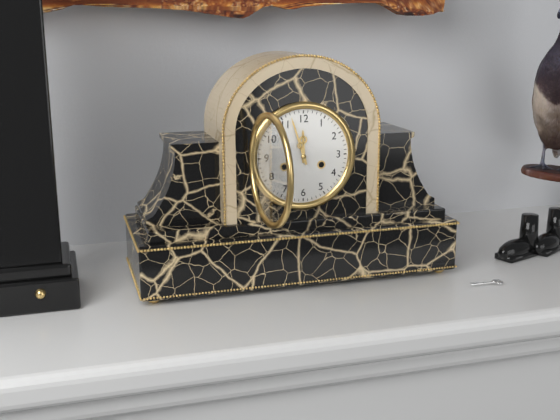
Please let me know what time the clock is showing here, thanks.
11:57
